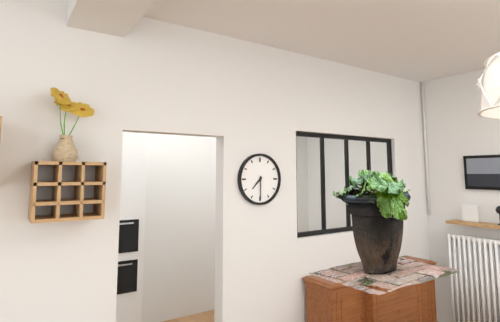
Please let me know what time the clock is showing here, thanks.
7:30
